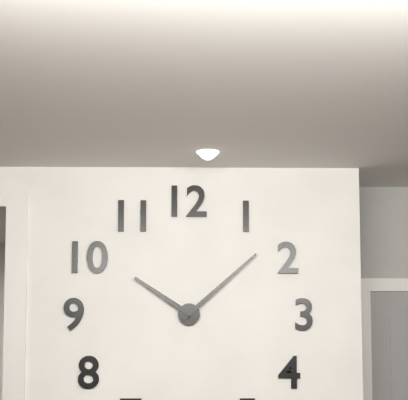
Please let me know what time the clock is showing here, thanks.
10:08
